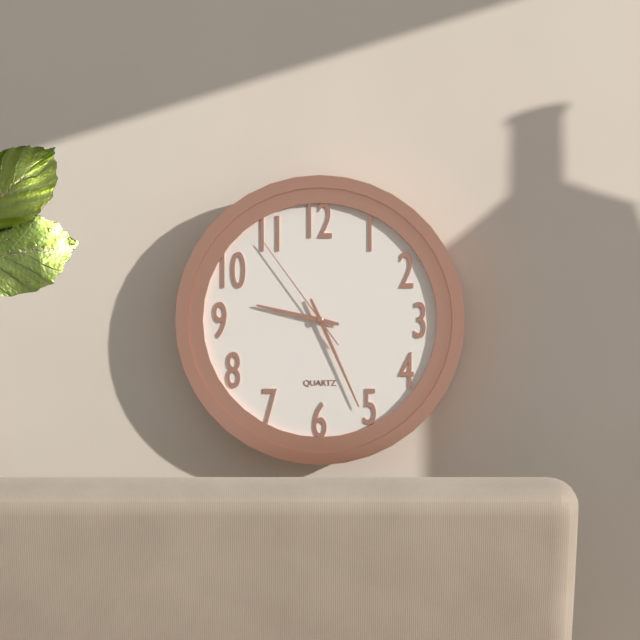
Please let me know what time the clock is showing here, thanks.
9:26:54
